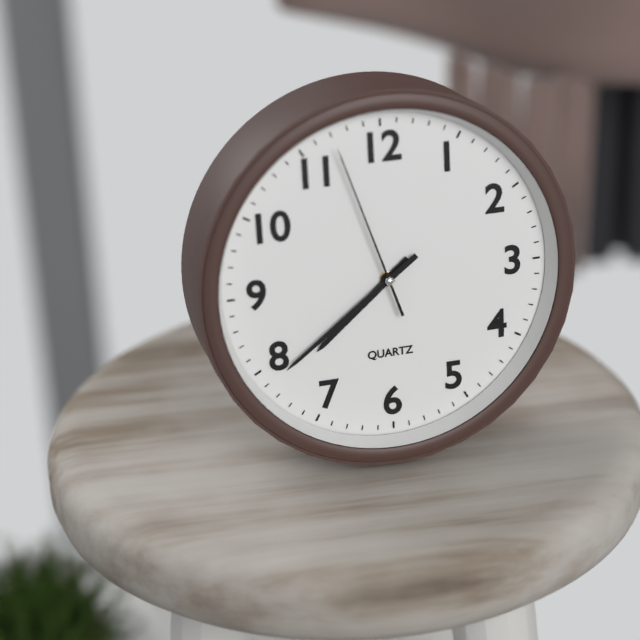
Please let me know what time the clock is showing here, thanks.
7:39:57
